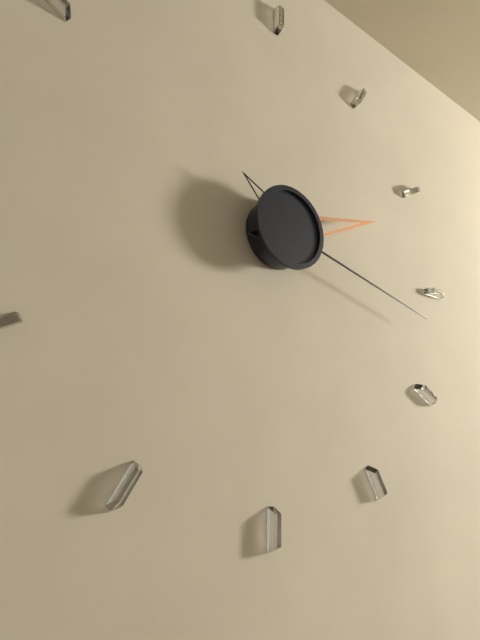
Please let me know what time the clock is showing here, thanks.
2:17:51
